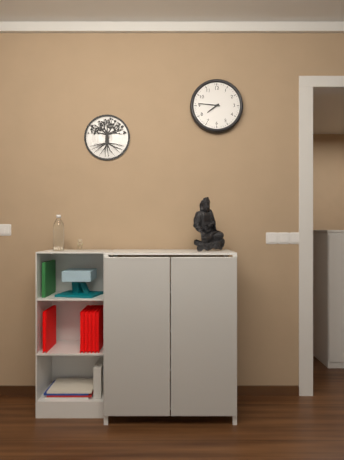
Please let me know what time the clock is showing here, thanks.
7:46
